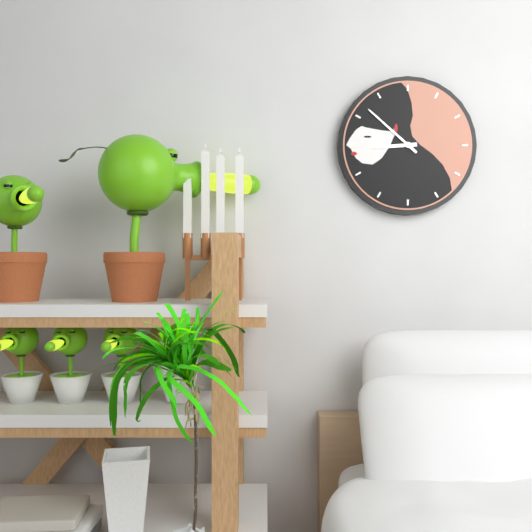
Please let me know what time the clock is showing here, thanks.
8:52
